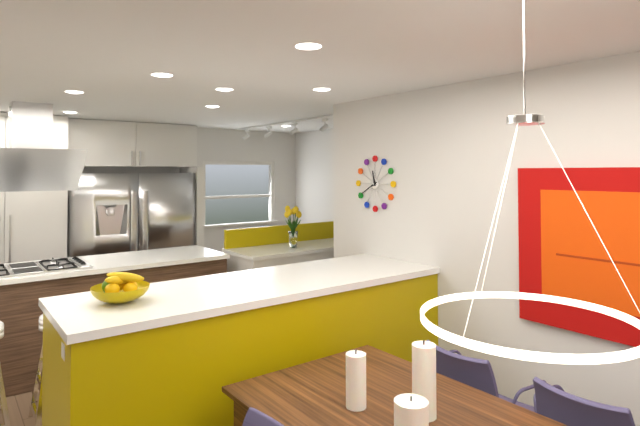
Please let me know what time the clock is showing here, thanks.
11:40
